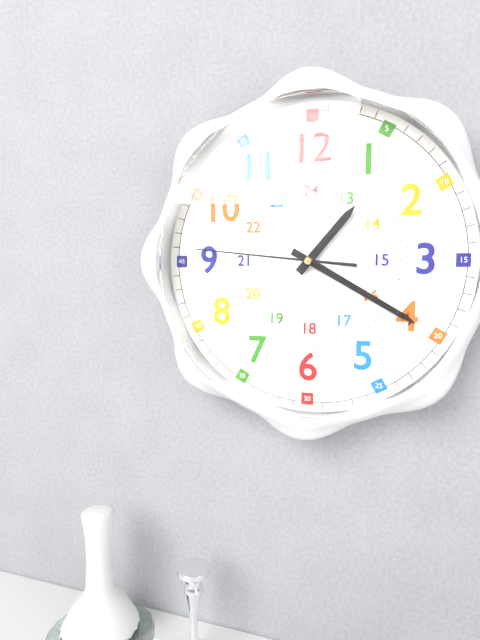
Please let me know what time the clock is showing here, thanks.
1:20:46
